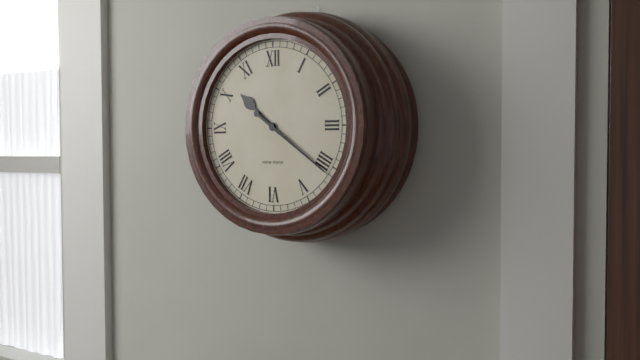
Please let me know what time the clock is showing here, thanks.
10:21
